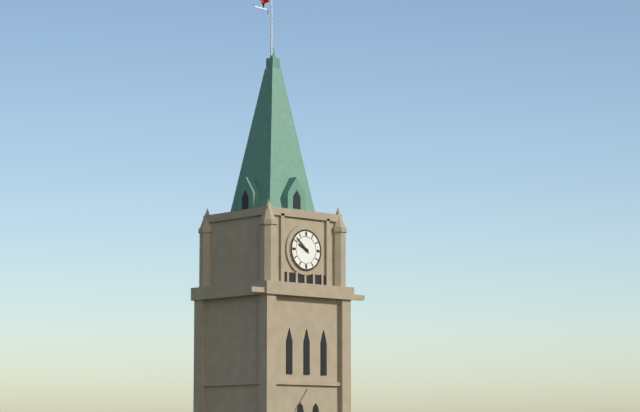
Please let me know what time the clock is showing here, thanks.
9:52
